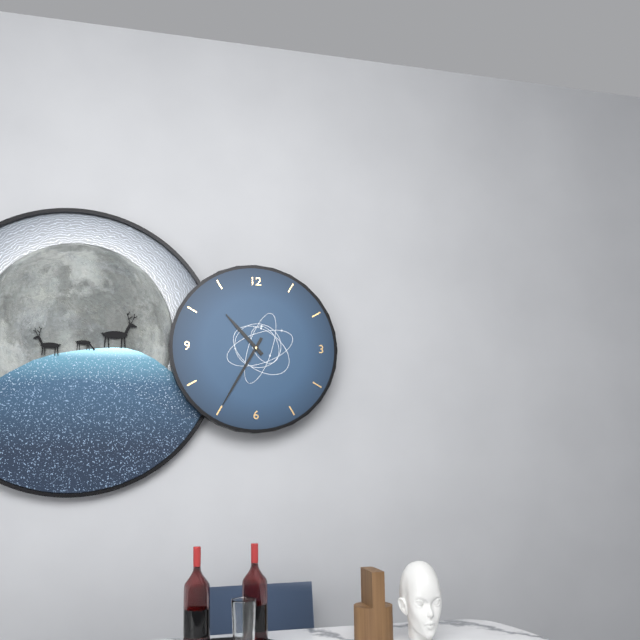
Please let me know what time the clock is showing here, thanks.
10:35
